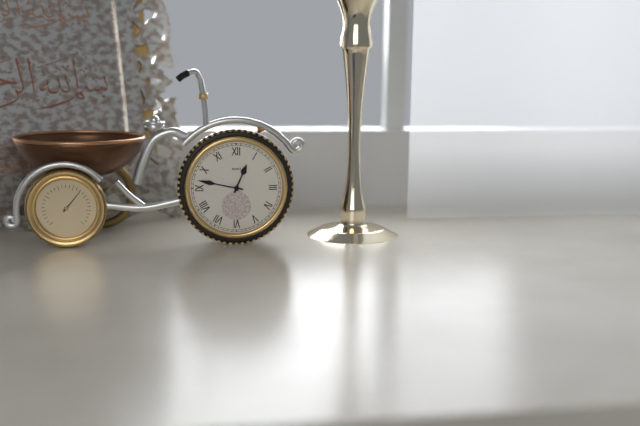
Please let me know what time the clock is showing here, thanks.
12:47
